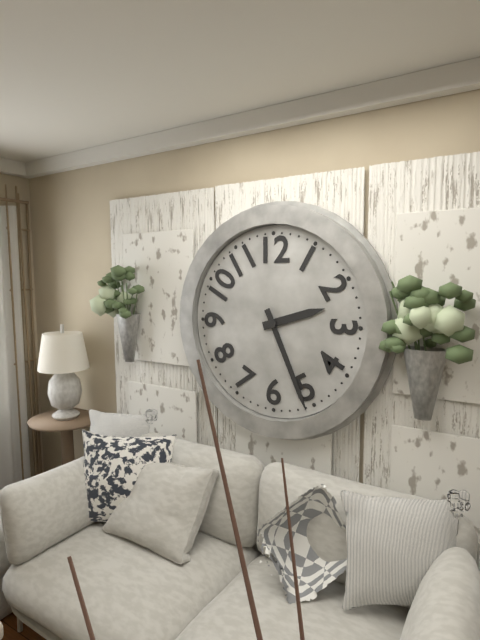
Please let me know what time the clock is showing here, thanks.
2:26
